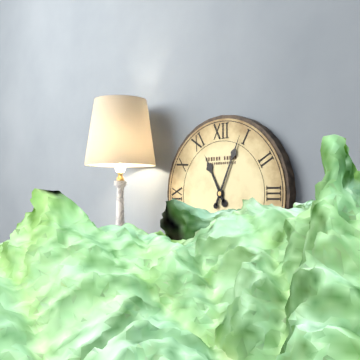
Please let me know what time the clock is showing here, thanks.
11:04
